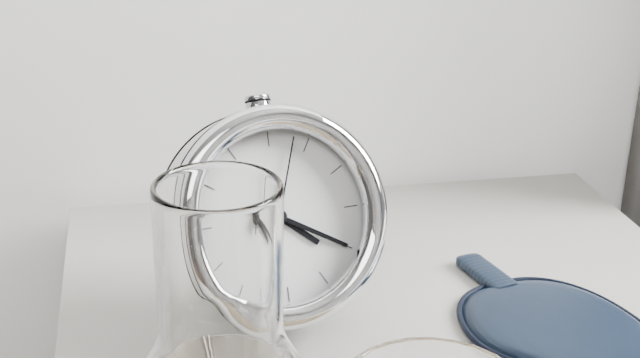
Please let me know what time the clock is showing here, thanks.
4:20:03
